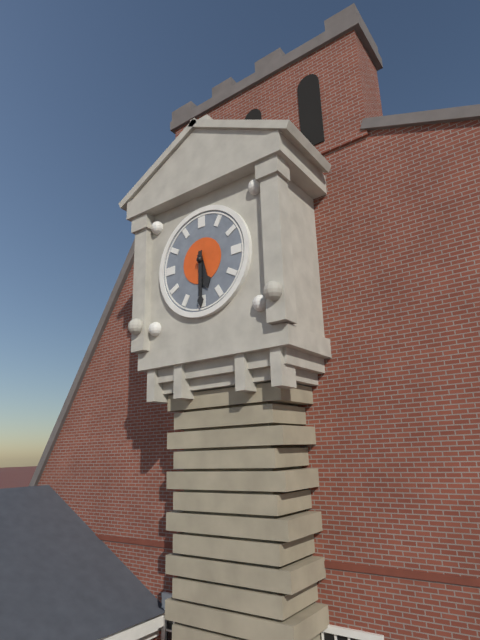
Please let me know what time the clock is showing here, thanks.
5:30
